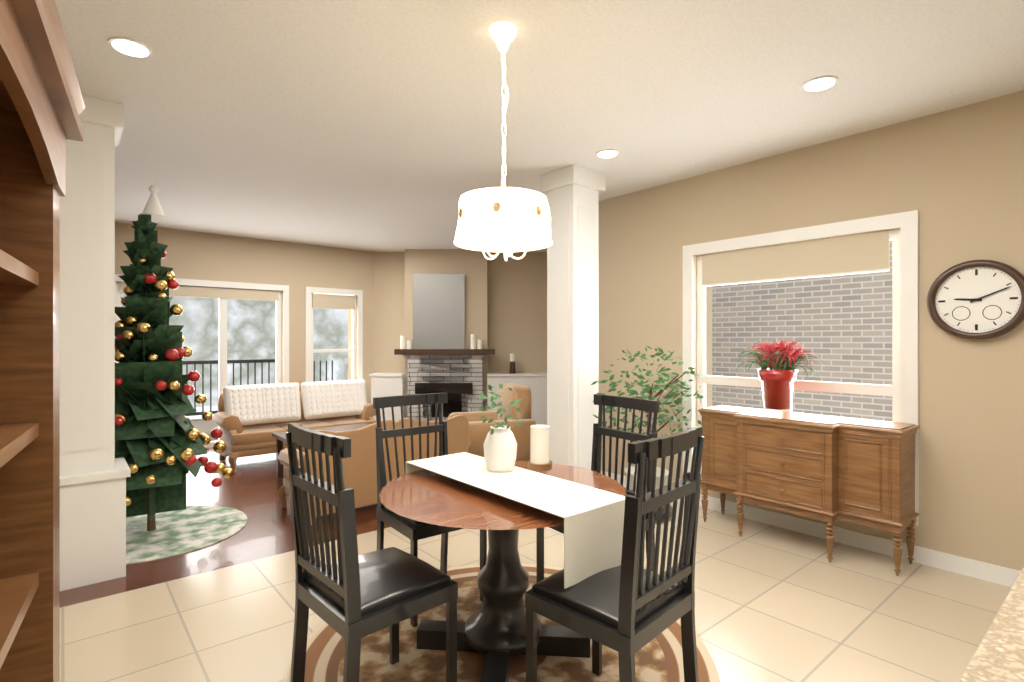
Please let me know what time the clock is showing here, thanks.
9:11
